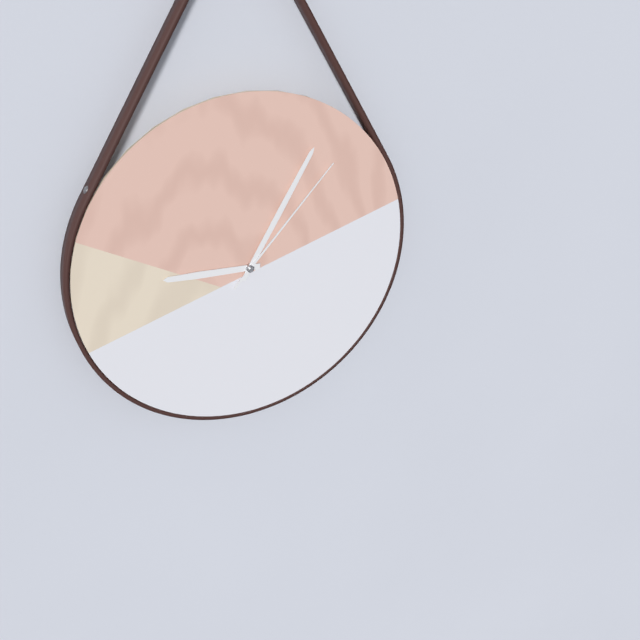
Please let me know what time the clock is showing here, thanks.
9:05:07
